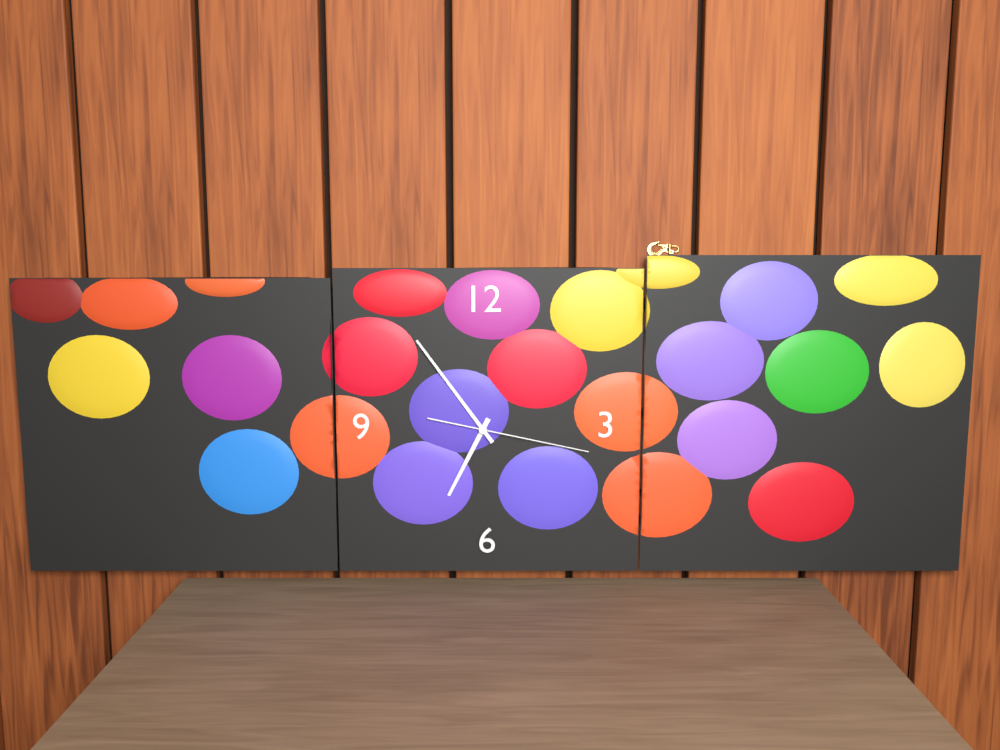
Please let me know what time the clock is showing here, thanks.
6:54:17
